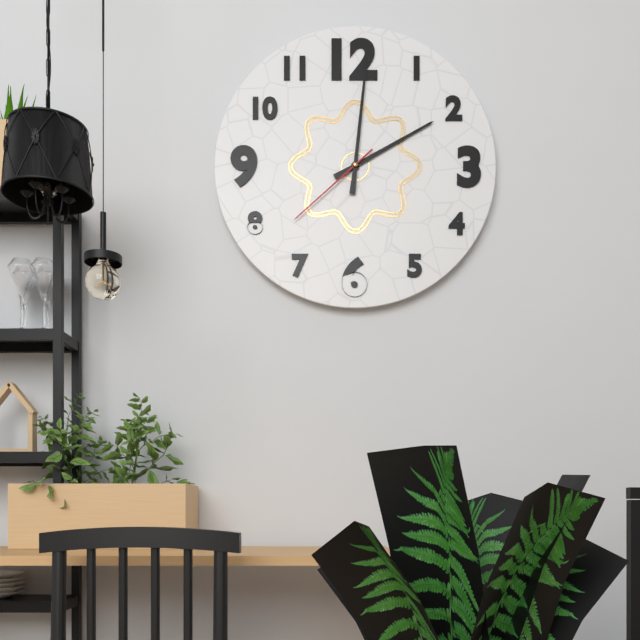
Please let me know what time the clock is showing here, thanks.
2:01:38
